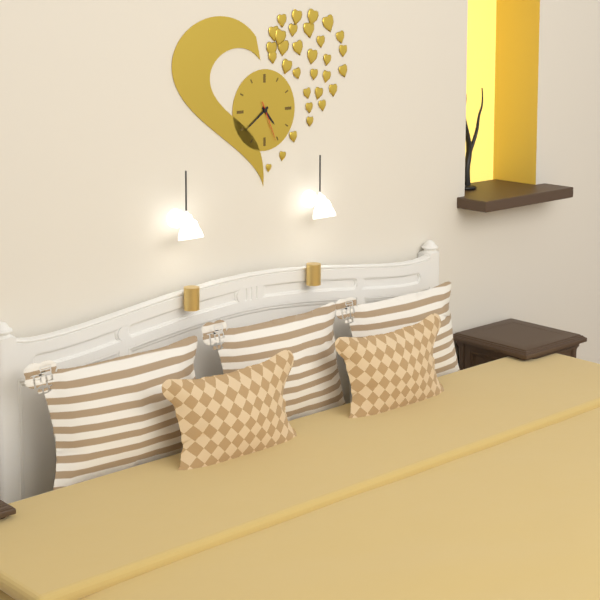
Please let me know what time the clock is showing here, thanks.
4:39
